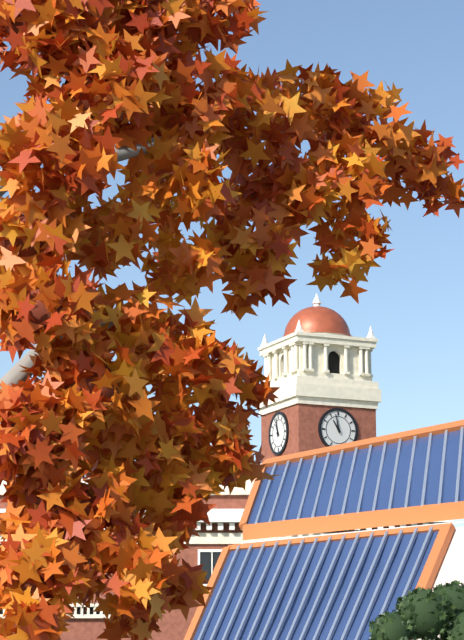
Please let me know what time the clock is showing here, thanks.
10:58
